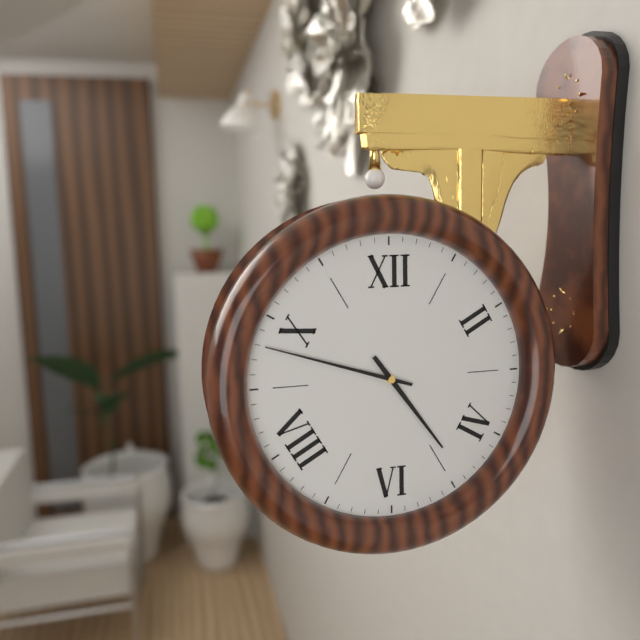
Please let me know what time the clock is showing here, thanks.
4:48
